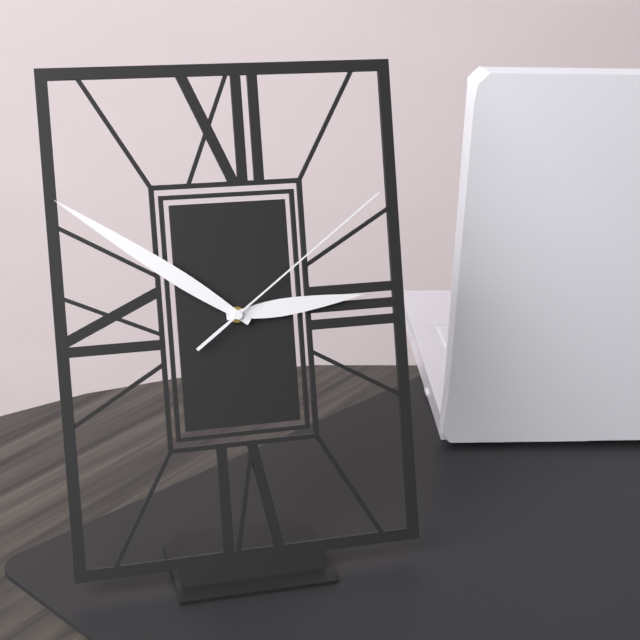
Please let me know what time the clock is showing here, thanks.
2:51:09
